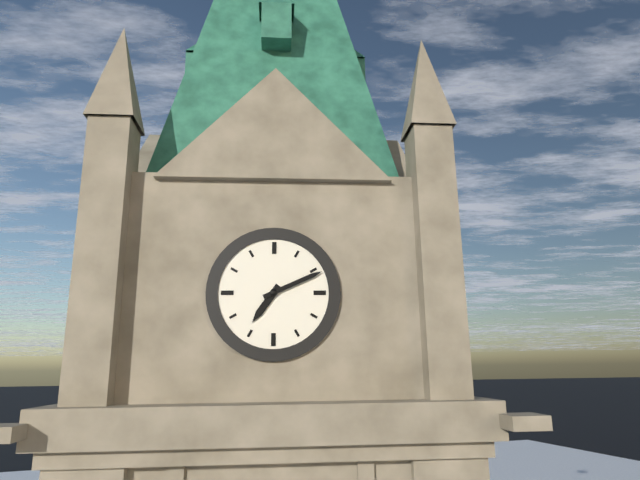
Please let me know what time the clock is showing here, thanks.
7:11
